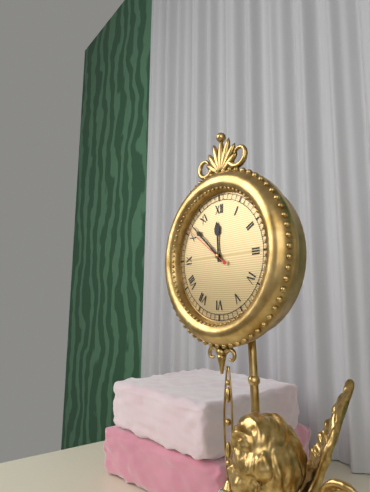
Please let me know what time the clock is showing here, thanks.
11:52:51
